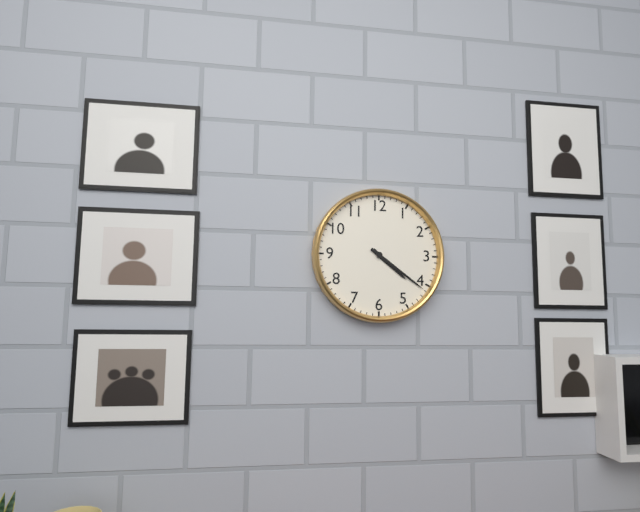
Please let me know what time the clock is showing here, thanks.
4:21
